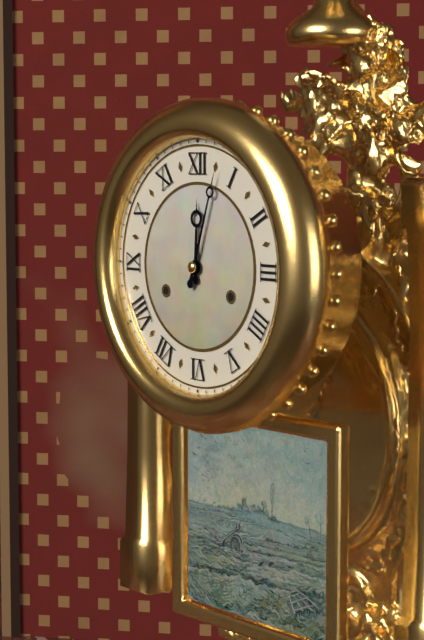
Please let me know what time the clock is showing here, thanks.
12:03
